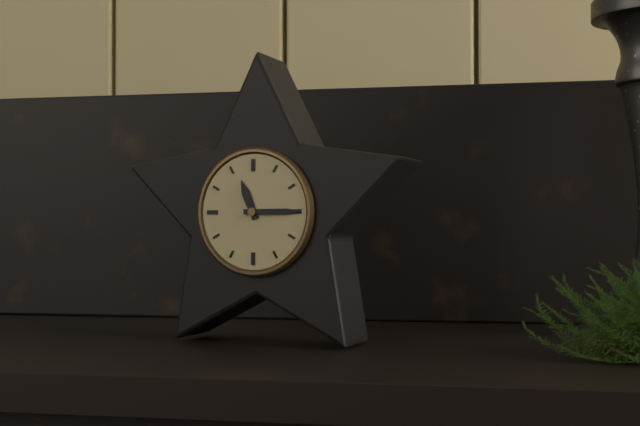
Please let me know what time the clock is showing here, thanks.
11:15
